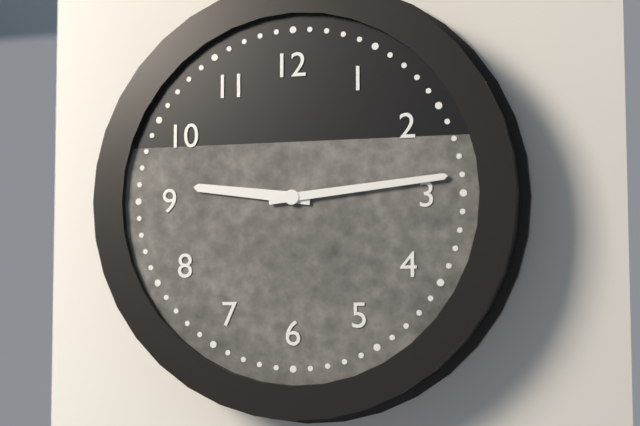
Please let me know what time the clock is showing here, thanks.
9:14
